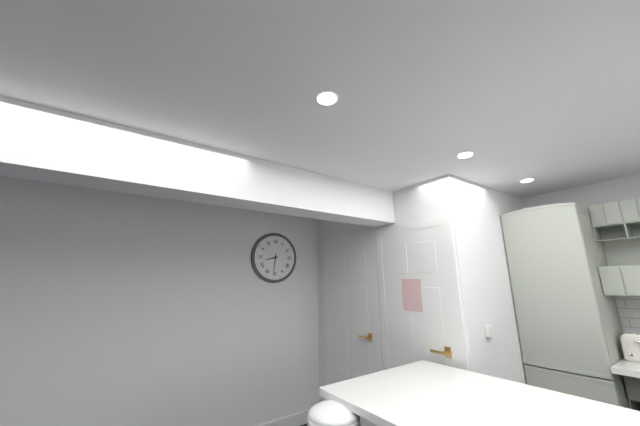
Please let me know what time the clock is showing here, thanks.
8:31
